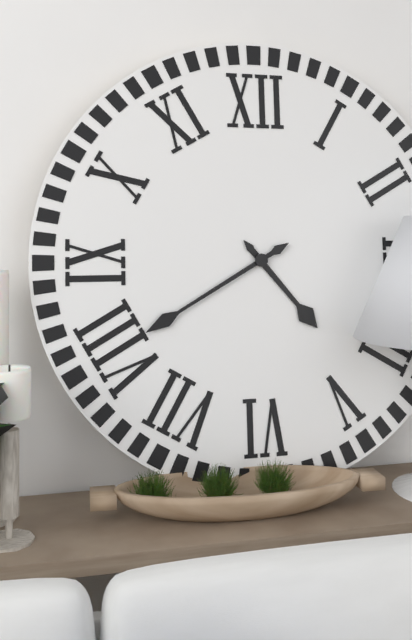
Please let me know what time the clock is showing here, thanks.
4:40
